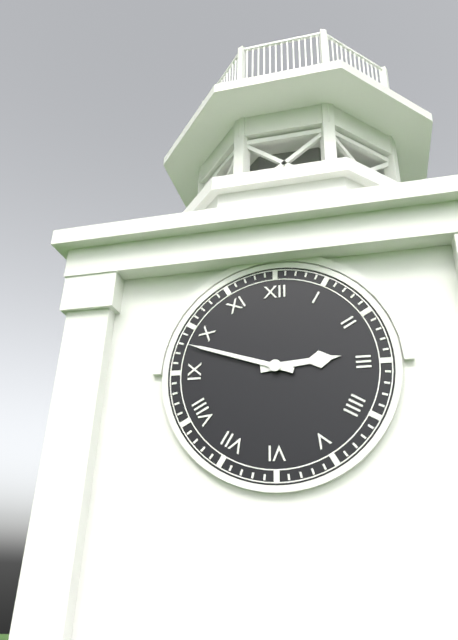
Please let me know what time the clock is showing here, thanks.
2:48
